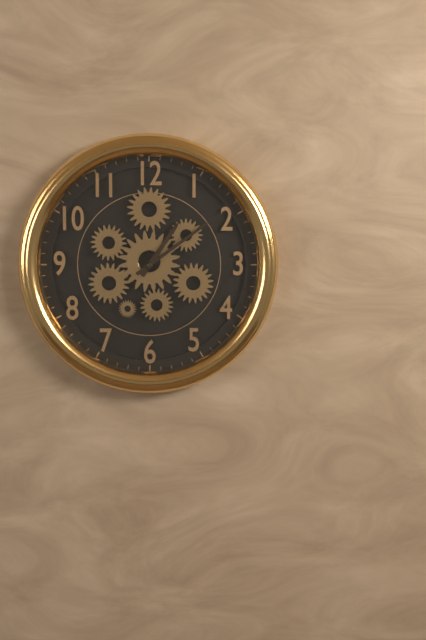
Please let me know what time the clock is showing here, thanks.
1:09
